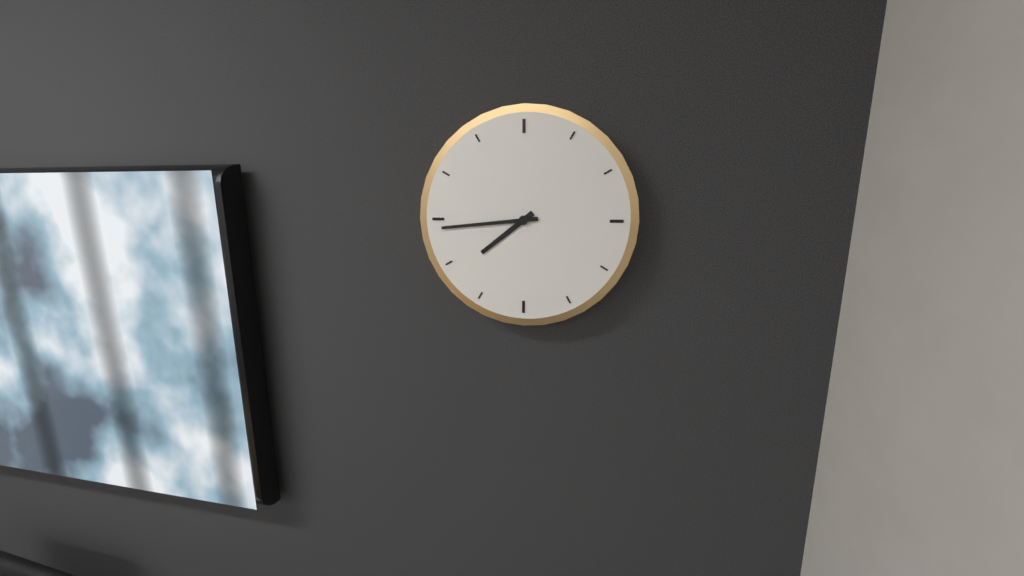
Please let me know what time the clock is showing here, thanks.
7:44
